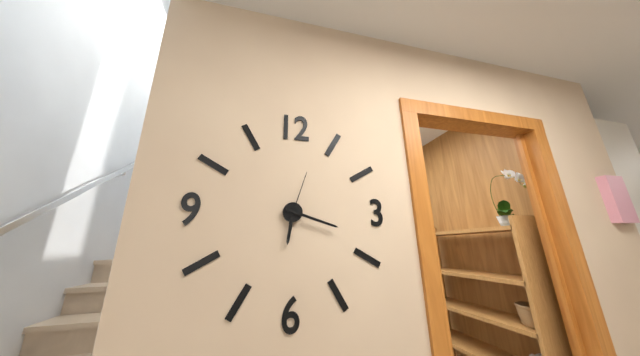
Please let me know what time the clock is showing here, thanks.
6:18:03
